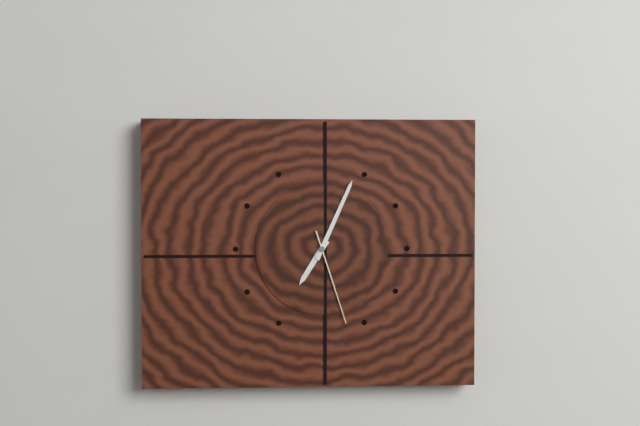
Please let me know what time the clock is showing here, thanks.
7:04:27
